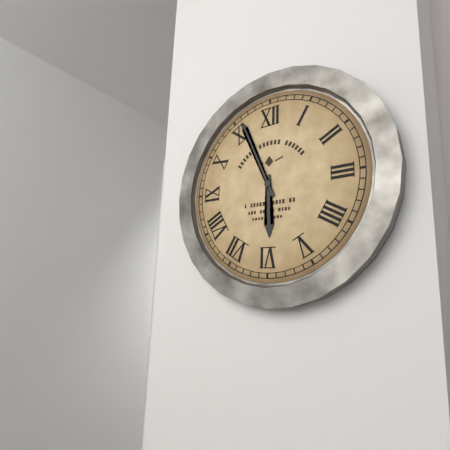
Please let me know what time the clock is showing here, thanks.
5:56
